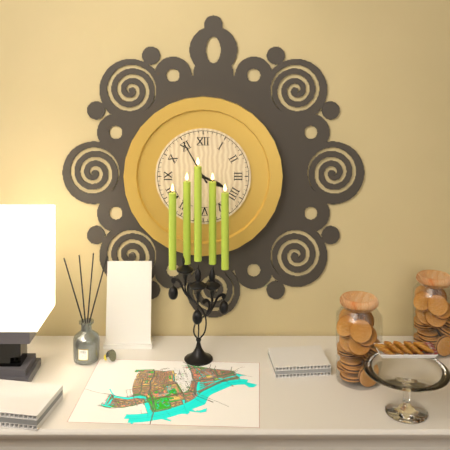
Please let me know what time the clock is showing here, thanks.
3:55
